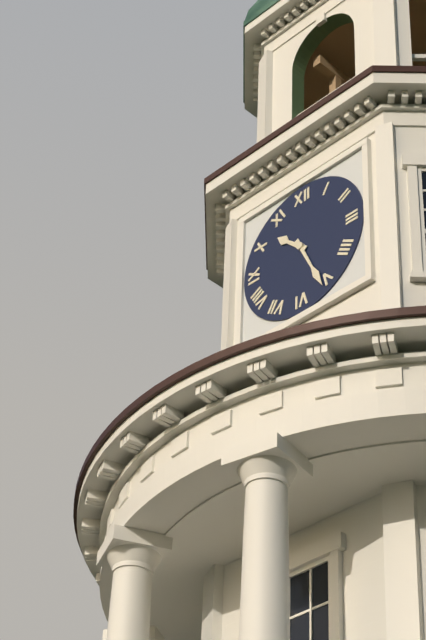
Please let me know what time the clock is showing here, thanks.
10:26
